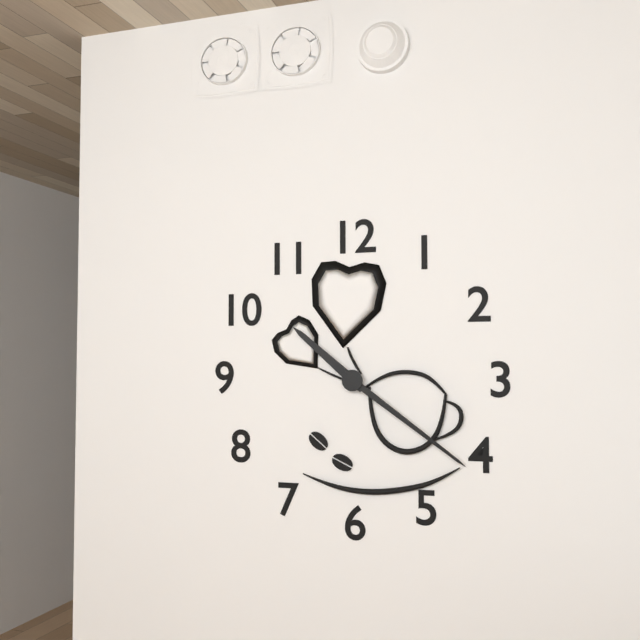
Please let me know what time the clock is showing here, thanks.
10:21
